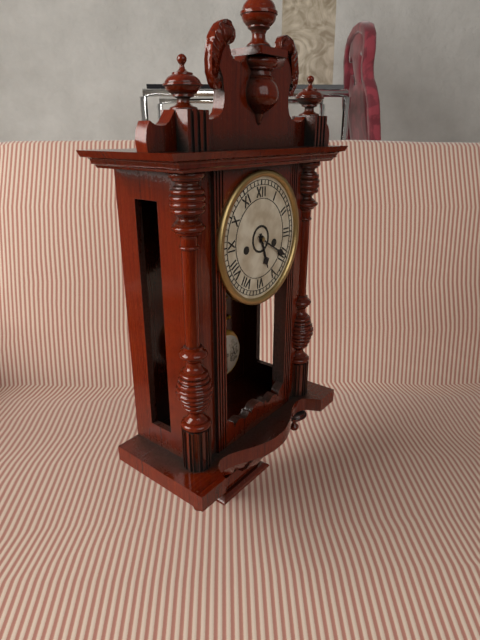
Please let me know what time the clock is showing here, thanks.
5:20
